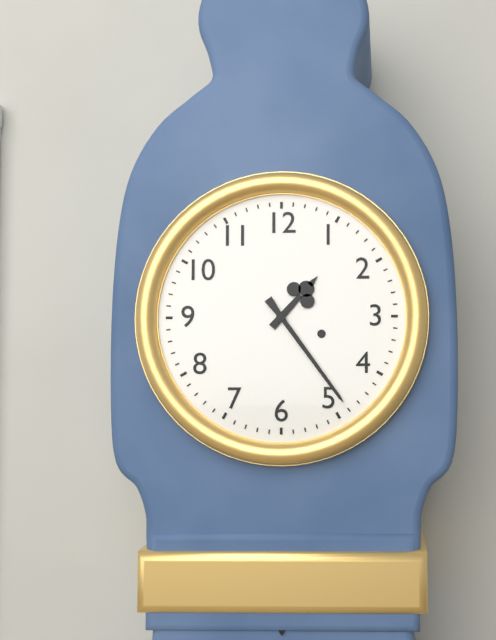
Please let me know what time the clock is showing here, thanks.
1:24
